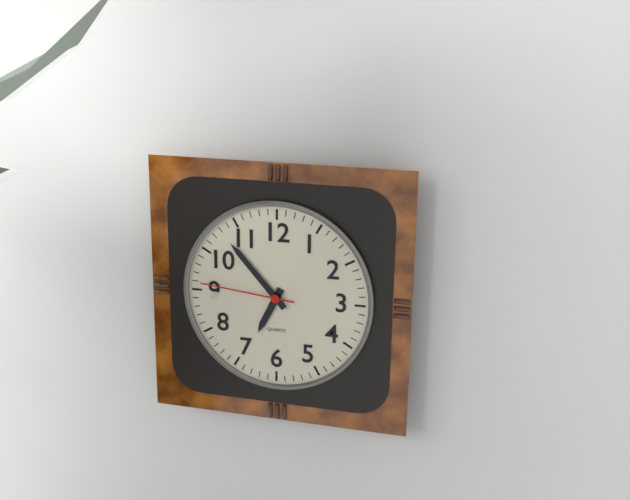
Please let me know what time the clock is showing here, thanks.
6:53:46
